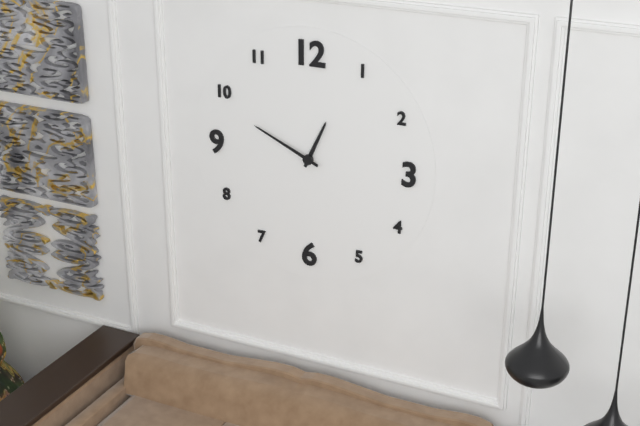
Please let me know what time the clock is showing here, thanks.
12:49
